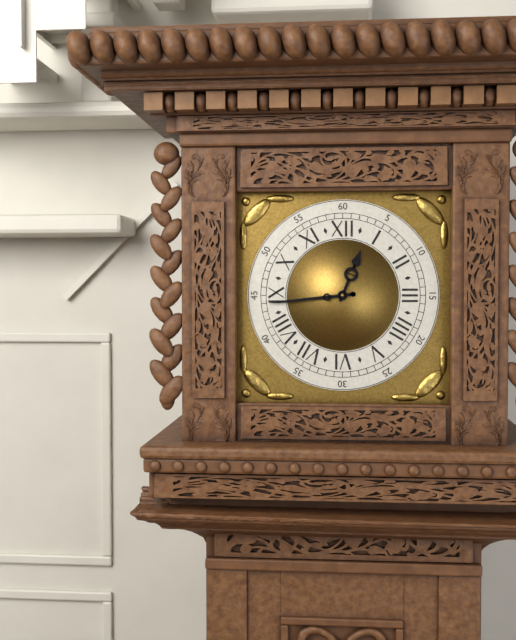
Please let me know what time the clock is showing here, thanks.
12:44
